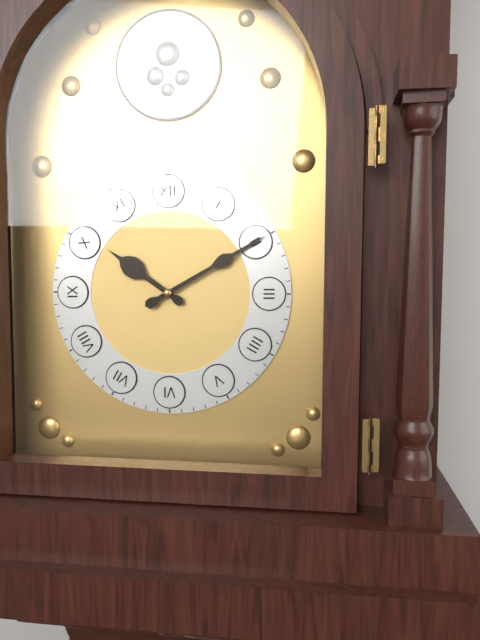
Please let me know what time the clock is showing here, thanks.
10:10
